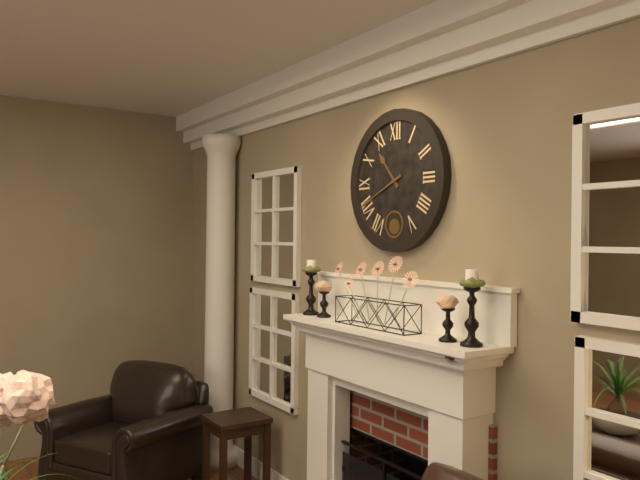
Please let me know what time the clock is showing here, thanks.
10:41
